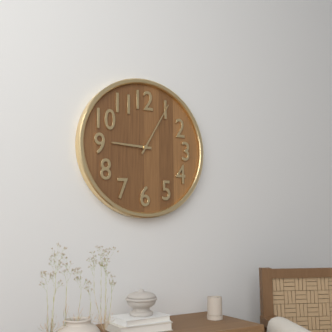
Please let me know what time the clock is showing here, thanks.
9:05
